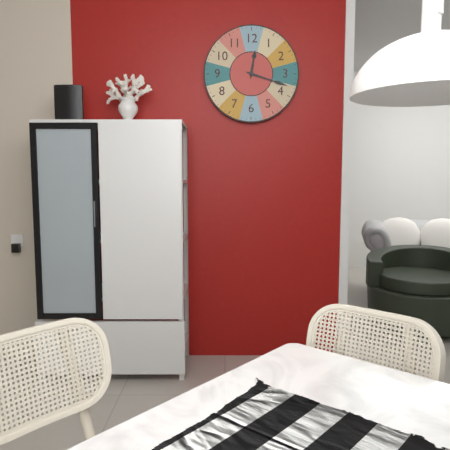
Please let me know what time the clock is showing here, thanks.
12:18
